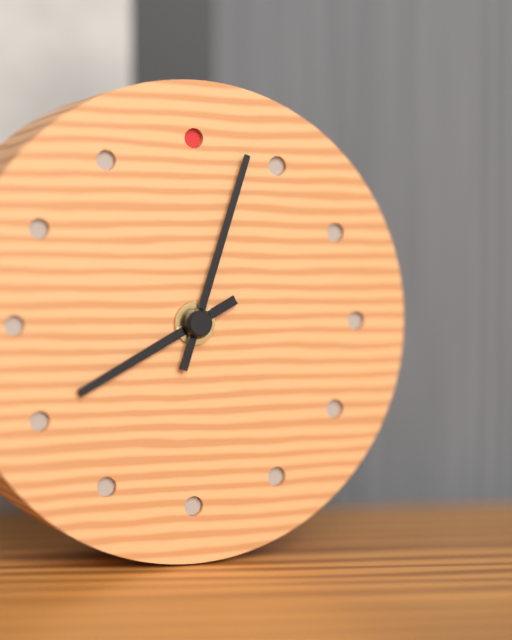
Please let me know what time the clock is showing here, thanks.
8:03
